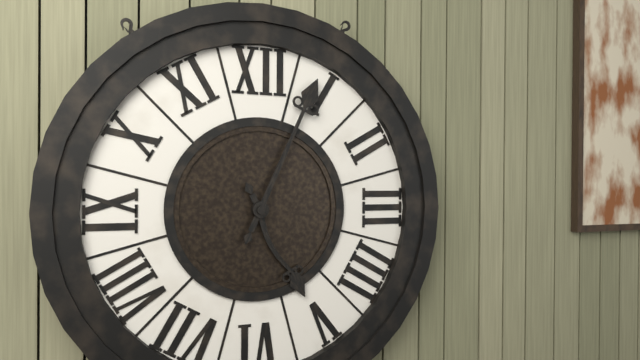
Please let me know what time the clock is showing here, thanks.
5:04
